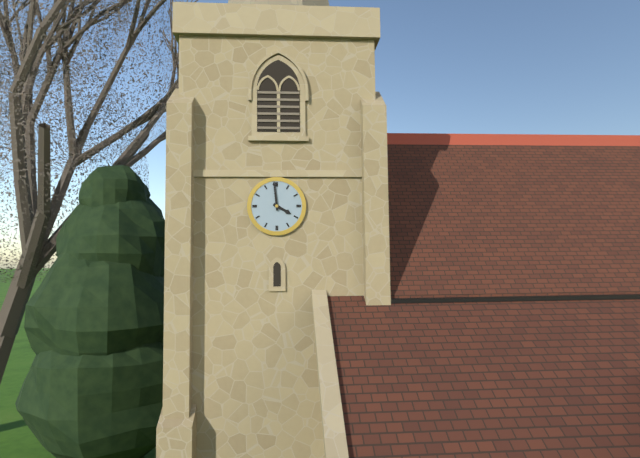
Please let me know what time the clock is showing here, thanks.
3:59
